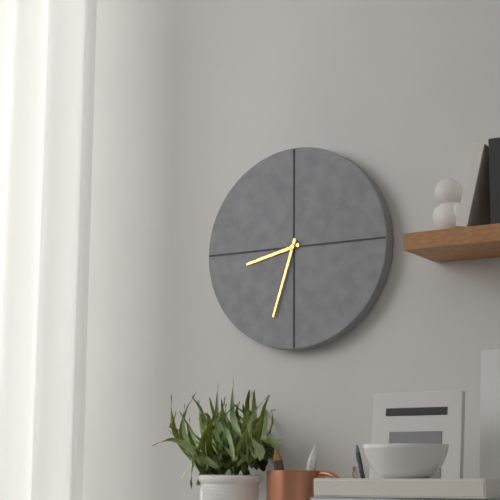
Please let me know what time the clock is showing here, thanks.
8:33
